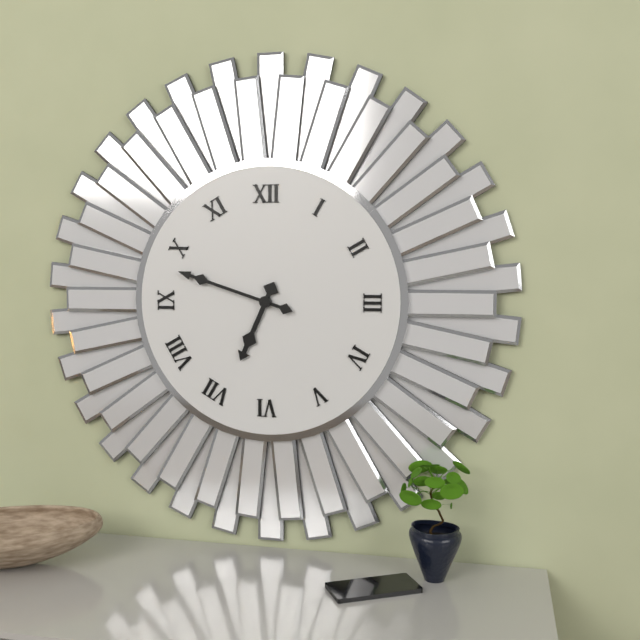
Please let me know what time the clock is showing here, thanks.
6:48
